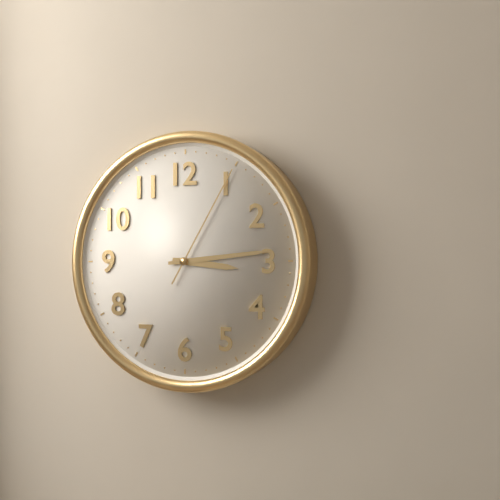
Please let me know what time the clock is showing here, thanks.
3:14:05
